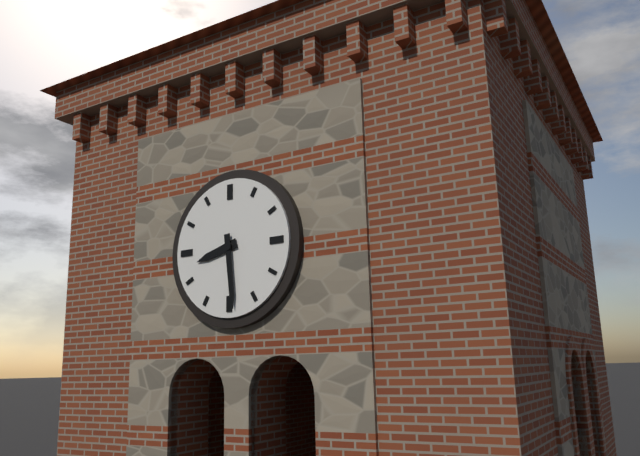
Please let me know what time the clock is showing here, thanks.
8:29
